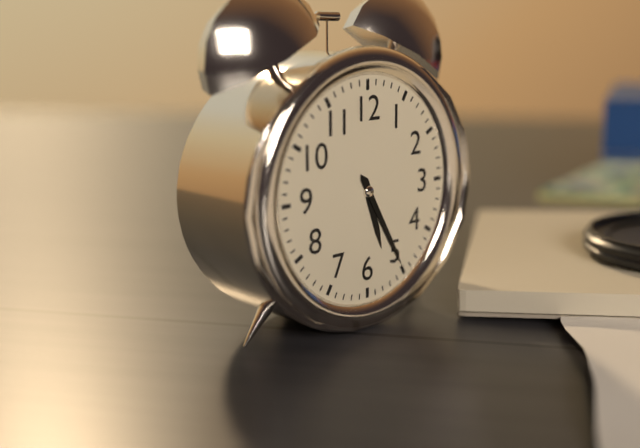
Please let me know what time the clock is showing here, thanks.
5:25
